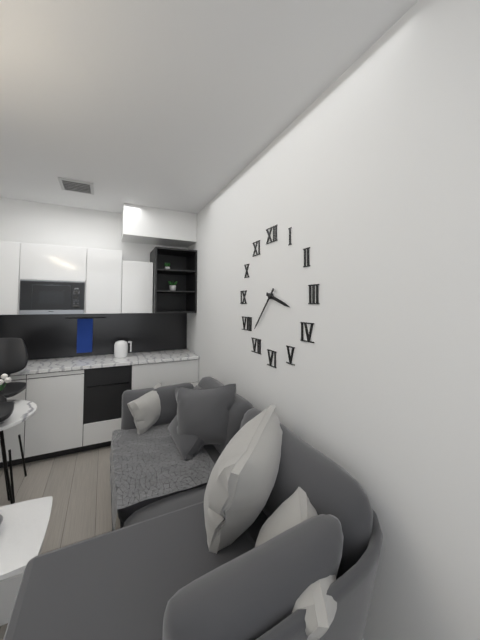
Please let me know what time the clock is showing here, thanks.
3:37
